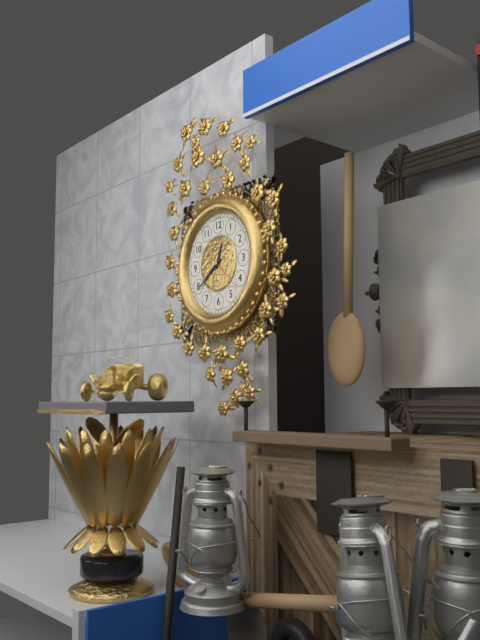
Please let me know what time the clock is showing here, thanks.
12:39
